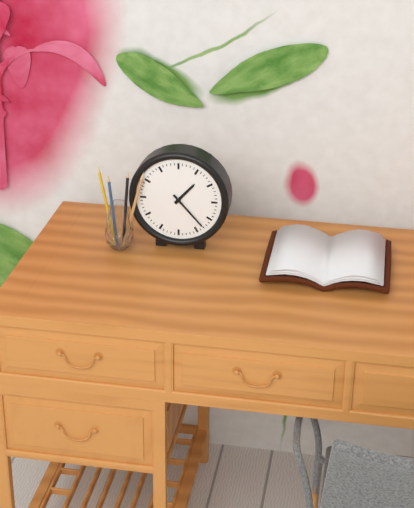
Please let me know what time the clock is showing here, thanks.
1:23
